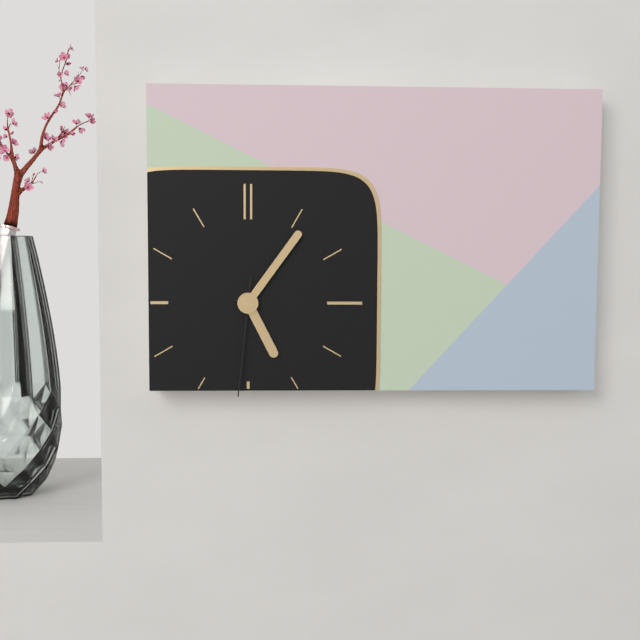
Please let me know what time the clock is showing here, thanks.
5:06:31
